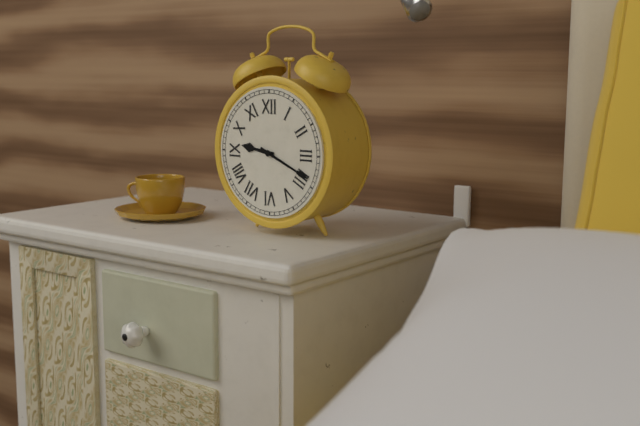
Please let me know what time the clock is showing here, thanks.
9:19
